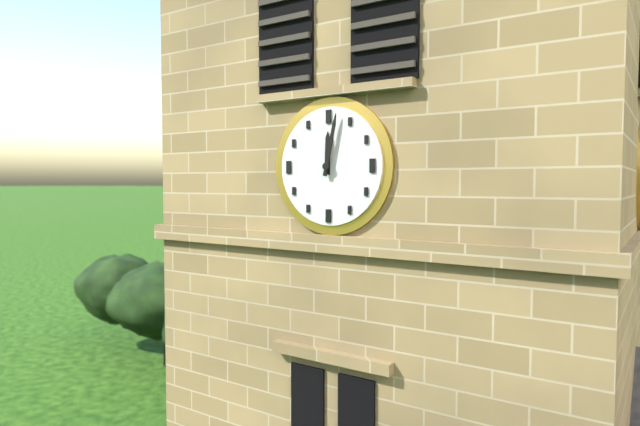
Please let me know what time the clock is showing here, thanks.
12:02
